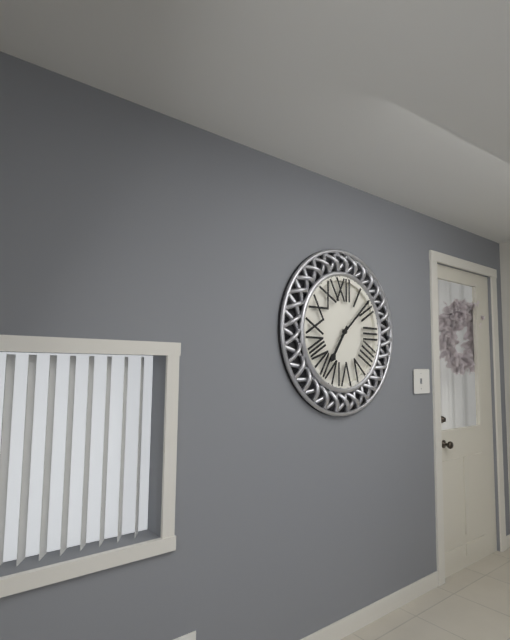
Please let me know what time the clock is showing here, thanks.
7:08
